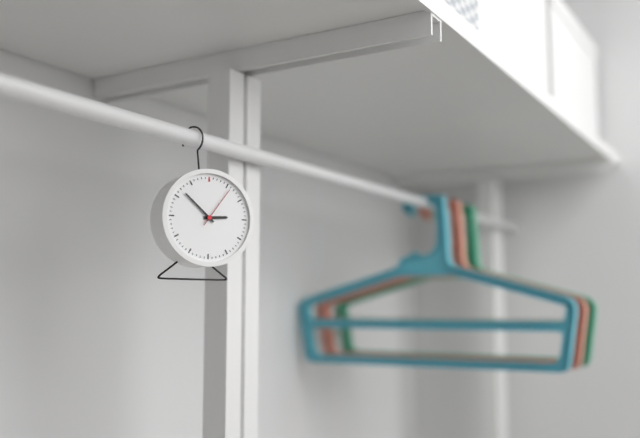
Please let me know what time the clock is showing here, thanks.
2:52
